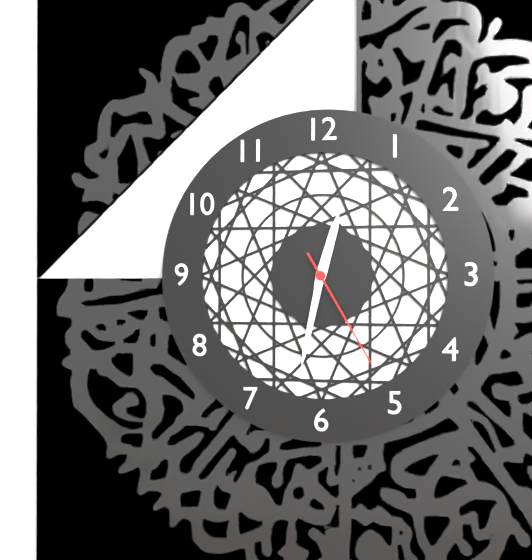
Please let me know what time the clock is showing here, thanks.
12:32:25
